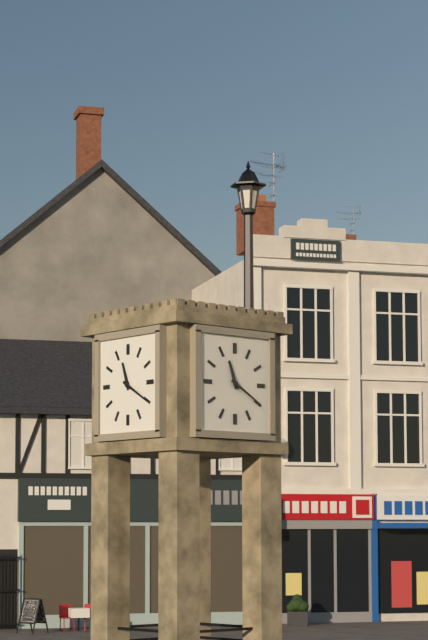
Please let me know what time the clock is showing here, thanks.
11:20
